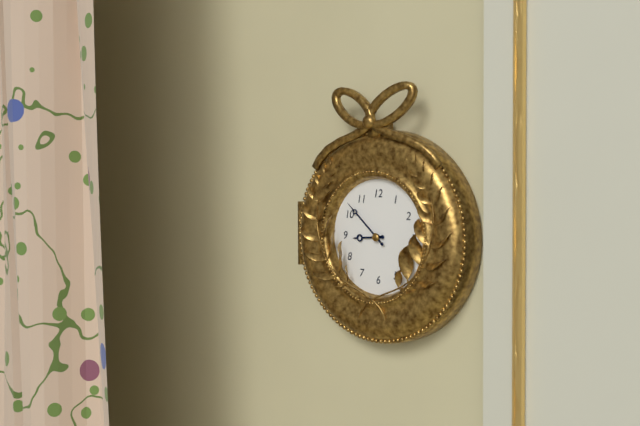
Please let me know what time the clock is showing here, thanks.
8:52
